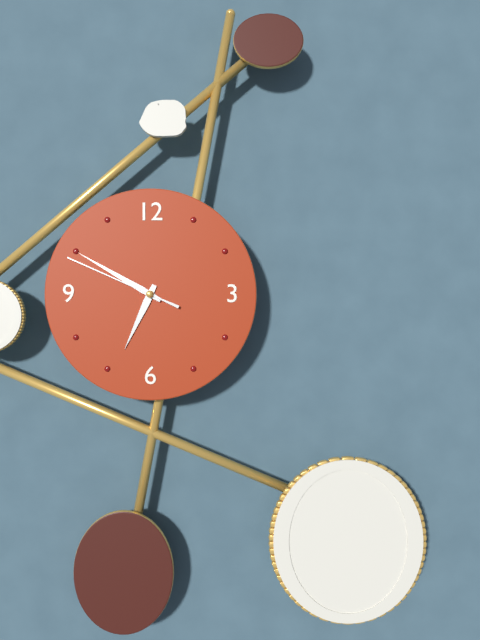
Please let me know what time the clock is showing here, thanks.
6:50:49
